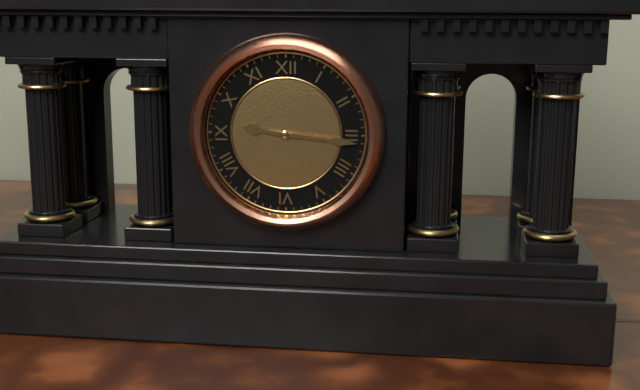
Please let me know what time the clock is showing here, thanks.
9:16
